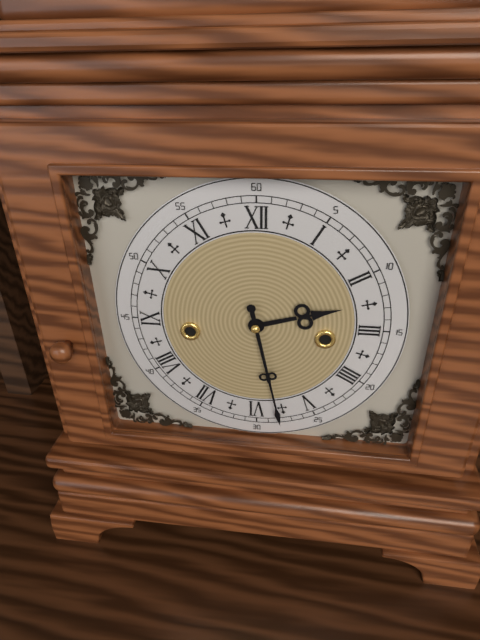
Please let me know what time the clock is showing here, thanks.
2:28
